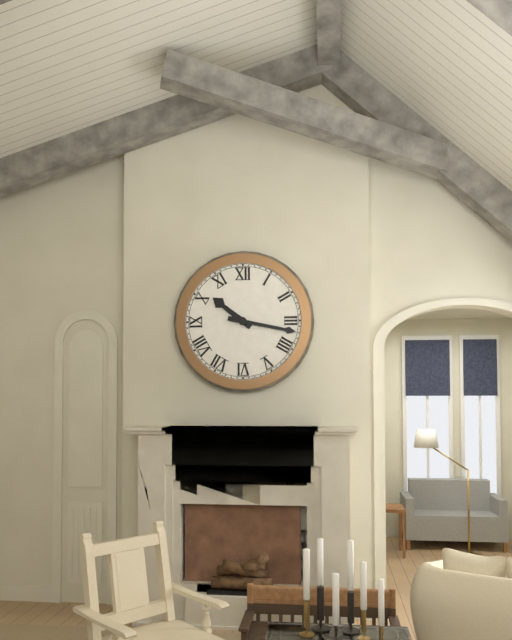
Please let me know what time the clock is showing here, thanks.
10:17
